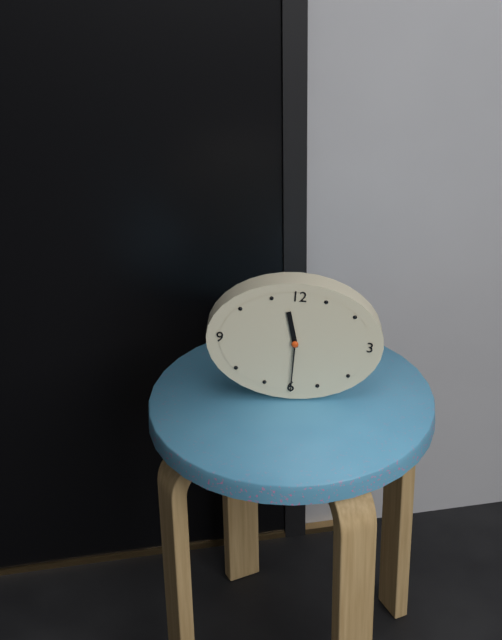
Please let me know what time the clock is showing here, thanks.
11:30
